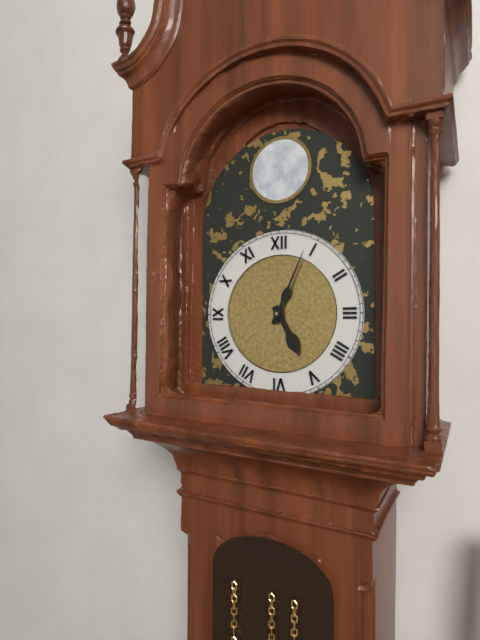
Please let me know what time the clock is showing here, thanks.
5:04
